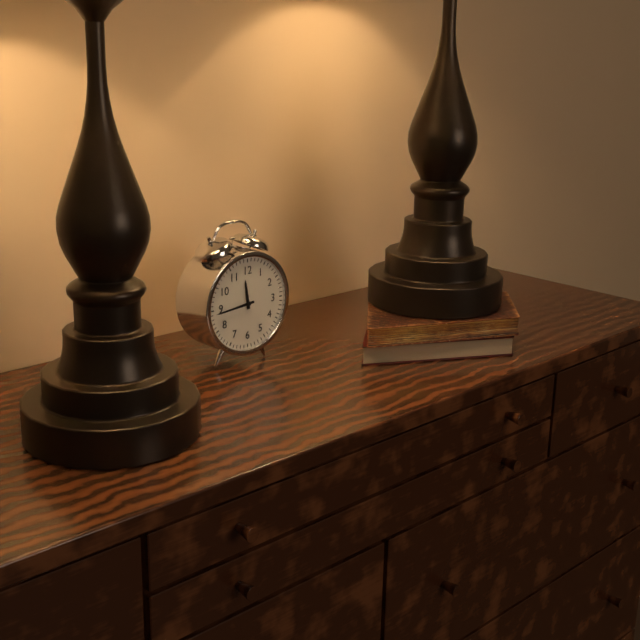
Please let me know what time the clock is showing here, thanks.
11:44
